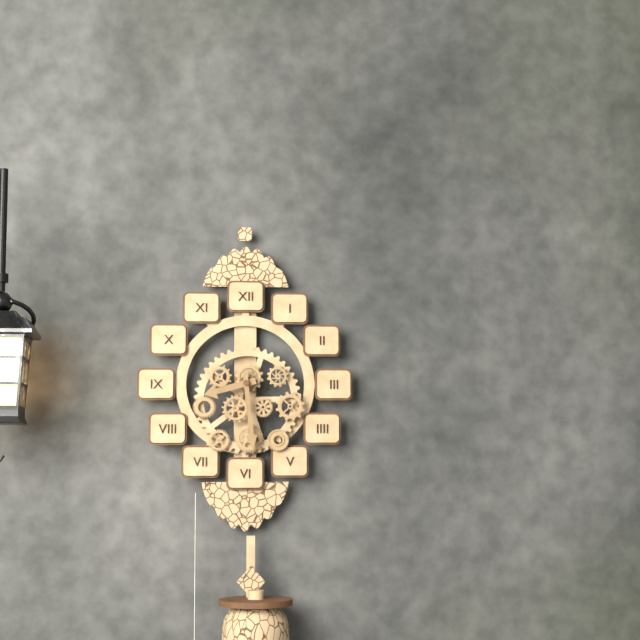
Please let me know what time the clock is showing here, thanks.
8:29
